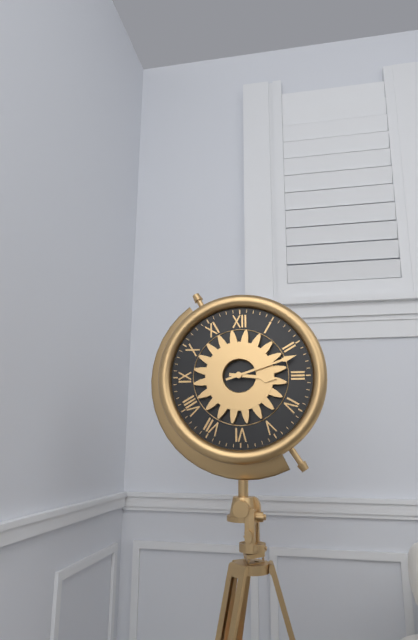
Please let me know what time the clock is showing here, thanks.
3:12
